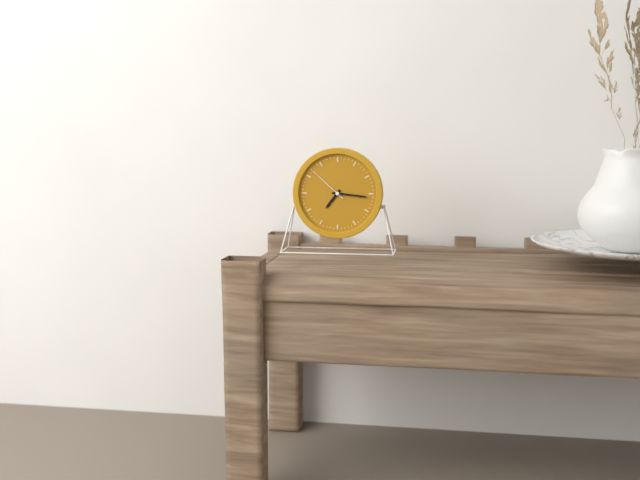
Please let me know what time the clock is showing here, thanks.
7:16
